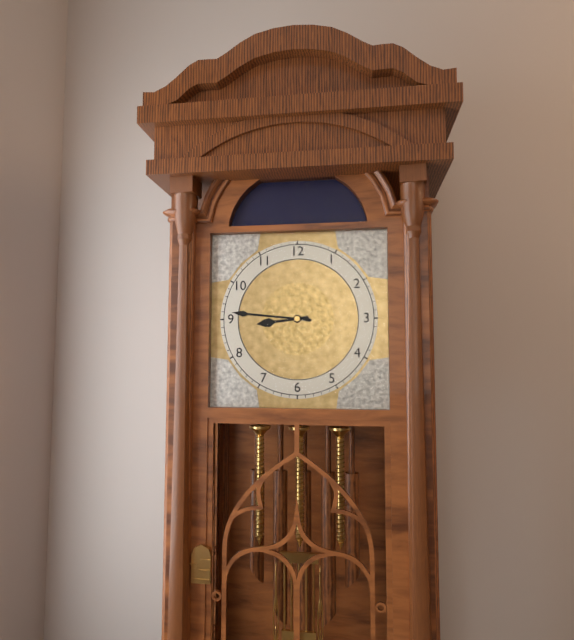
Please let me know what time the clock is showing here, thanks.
8:46
